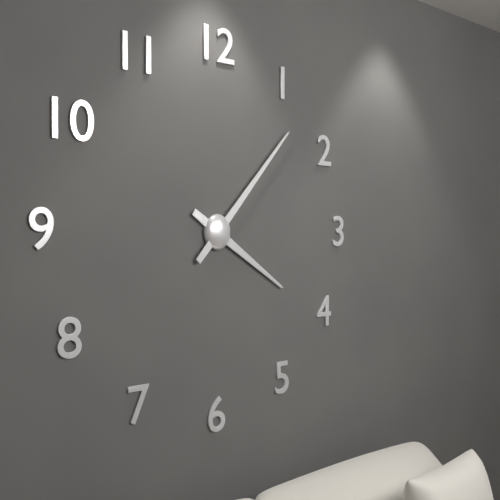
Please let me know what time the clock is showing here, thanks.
4:07
